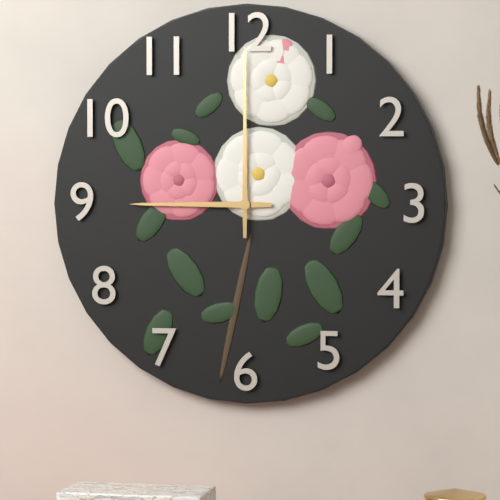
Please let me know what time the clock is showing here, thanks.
9:00
